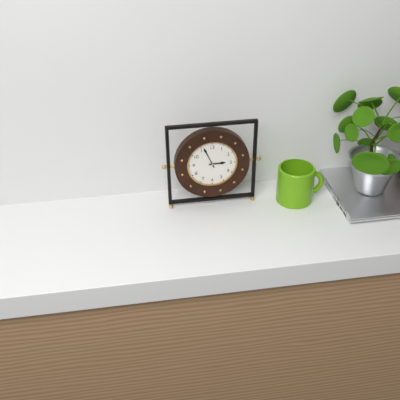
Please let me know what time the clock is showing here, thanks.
2:56
